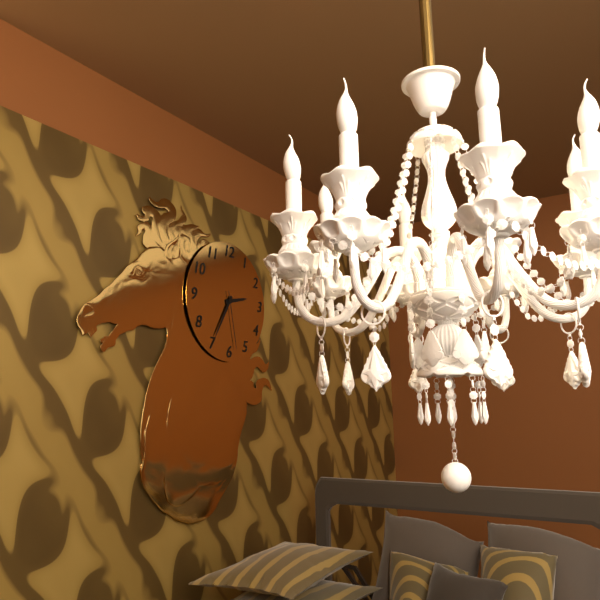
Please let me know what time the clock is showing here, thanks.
2:35:28
